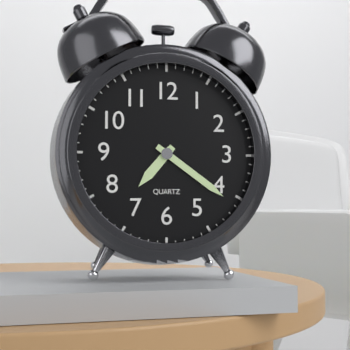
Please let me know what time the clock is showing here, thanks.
7:21
